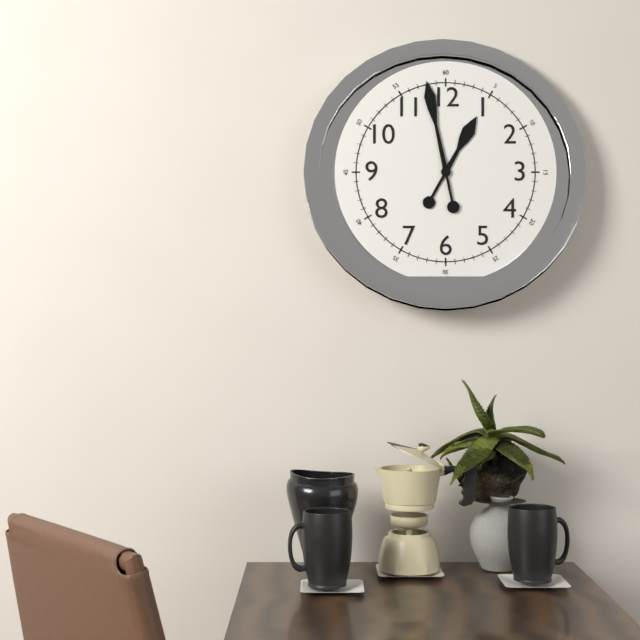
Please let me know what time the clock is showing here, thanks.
12:58
